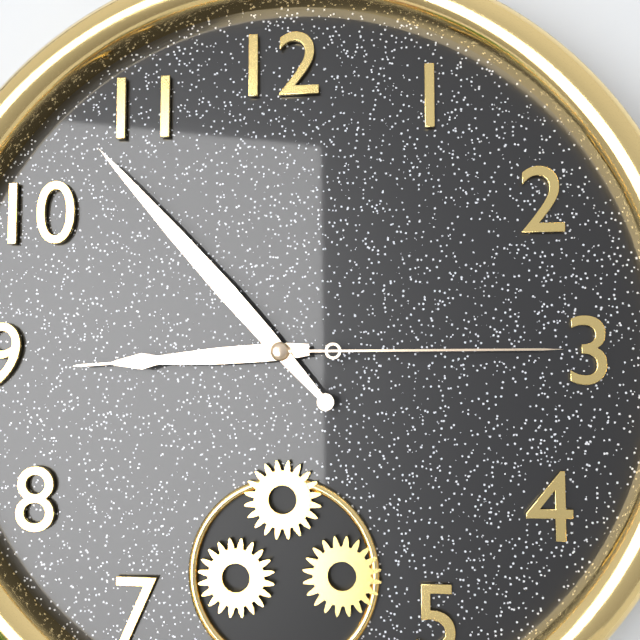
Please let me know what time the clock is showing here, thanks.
8:53:15
